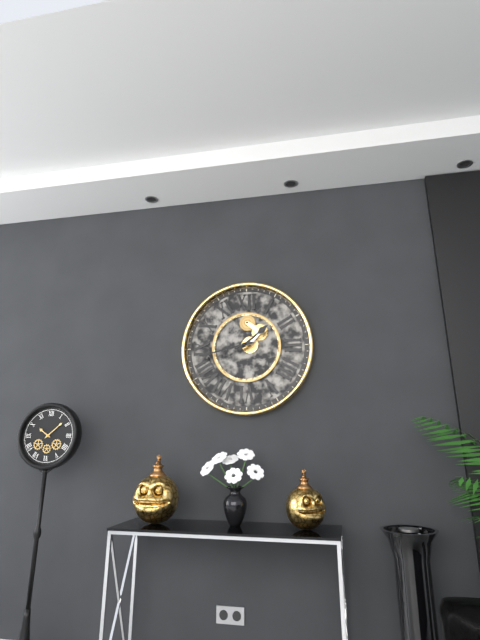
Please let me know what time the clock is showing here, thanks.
1:43
